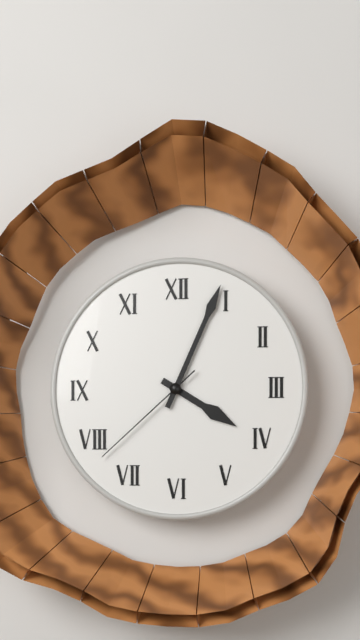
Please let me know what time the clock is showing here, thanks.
4:04:38
